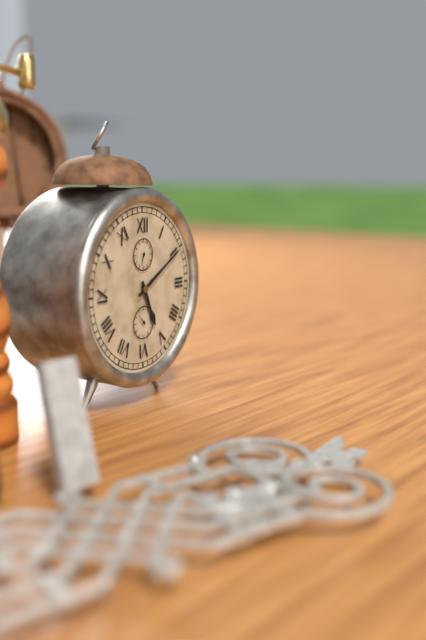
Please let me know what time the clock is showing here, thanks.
5:10
